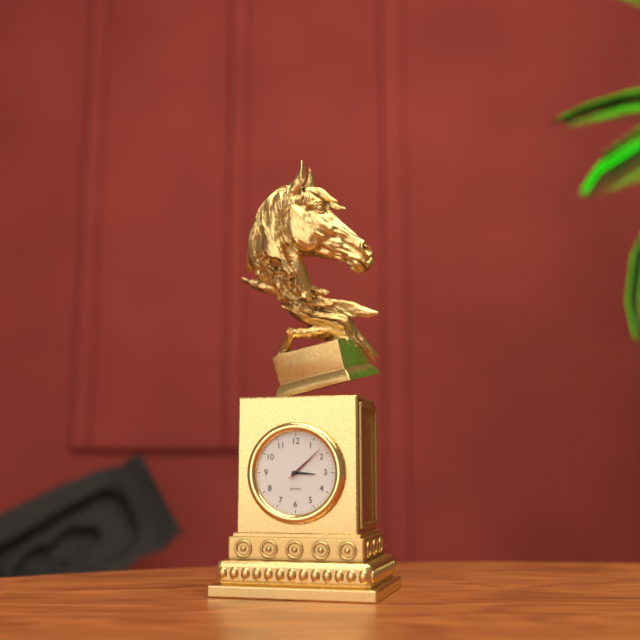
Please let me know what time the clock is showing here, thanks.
3:08
